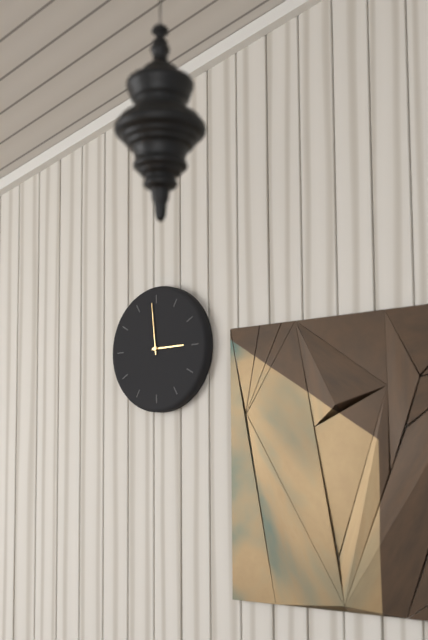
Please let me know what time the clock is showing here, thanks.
2:59
